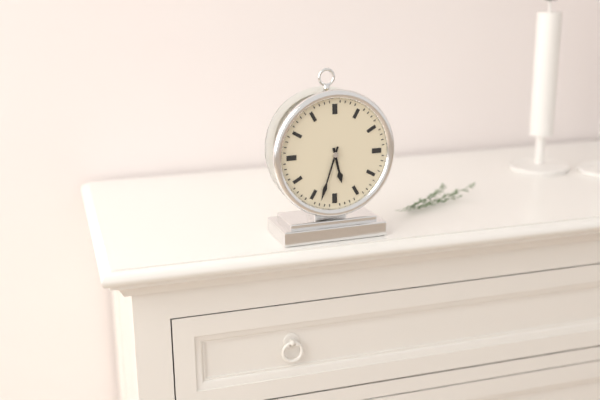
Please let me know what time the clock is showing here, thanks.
5:33
